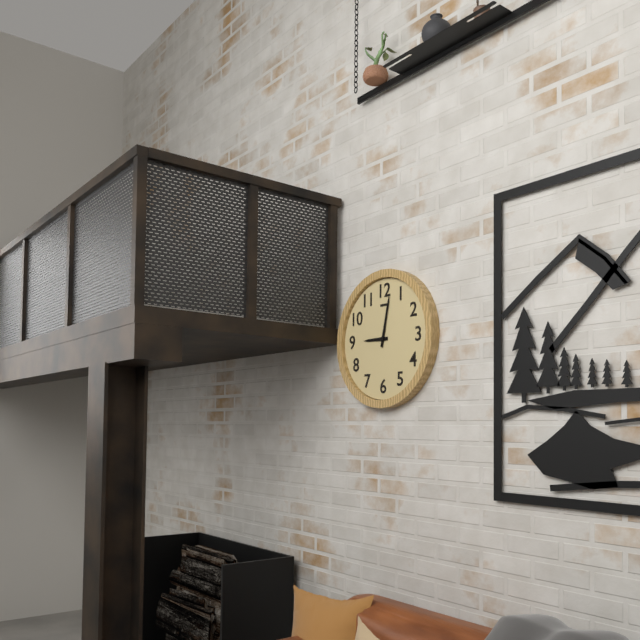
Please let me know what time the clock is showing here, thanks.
9:02
